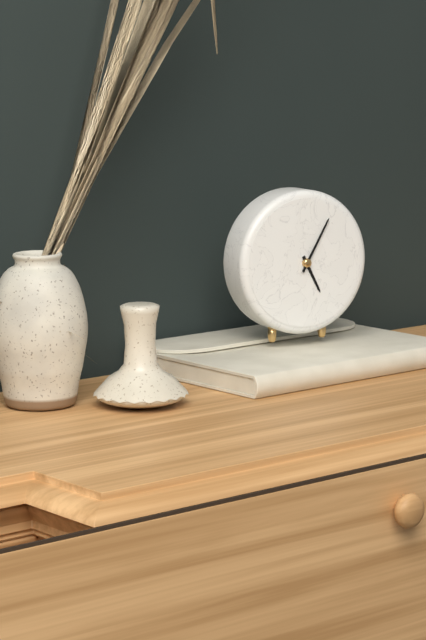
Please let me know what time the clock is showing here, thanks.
5:05
